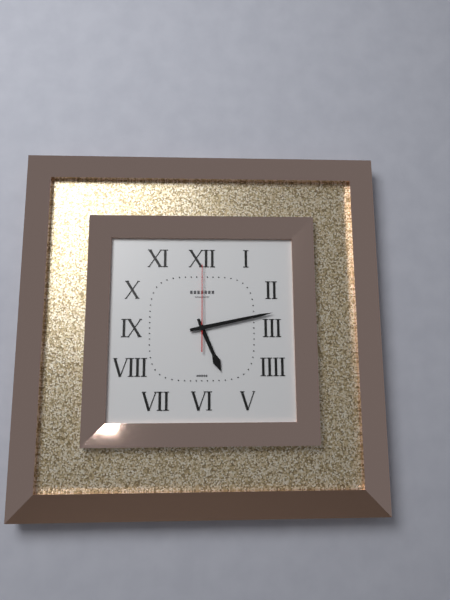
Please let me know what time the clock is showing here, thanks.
5:13:00
